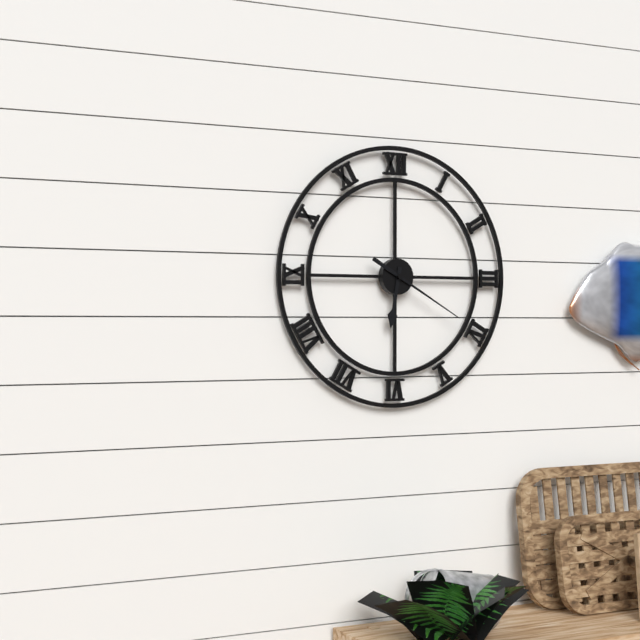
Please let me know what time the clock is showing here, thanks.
6:20
